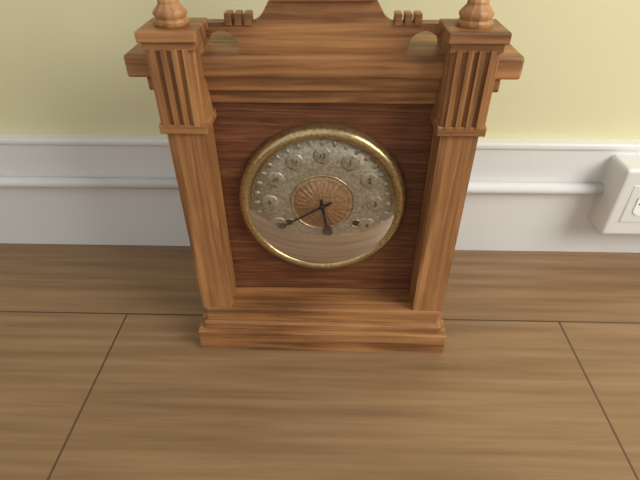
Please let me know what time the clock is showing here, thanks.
5:40
